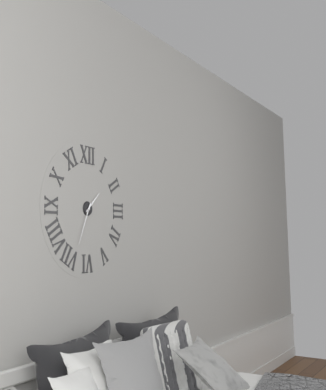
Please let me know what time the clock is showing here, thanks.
1:34
